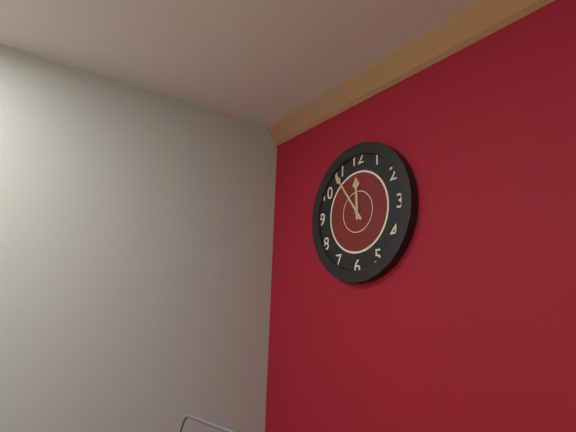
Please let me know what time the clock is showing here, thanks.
11:54
